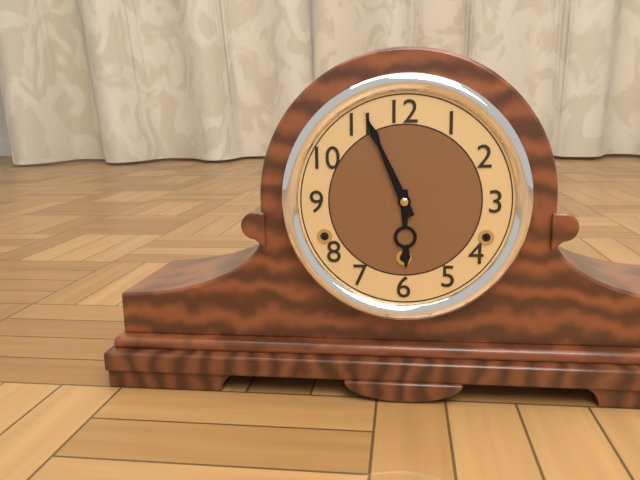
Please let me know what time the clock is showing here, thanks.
5:56
